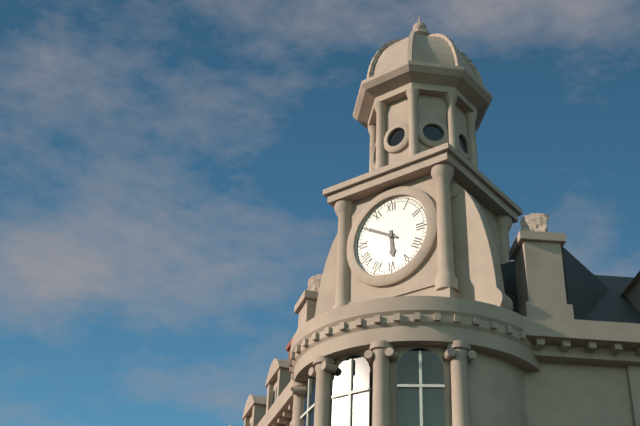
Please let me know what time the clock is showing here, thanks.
5:50
